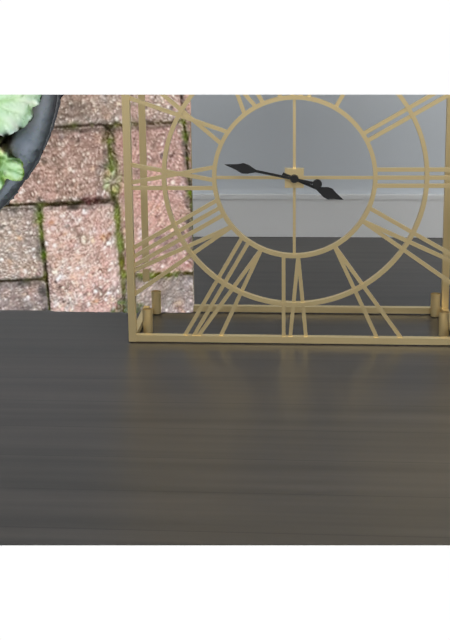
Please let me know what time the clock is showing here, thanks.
3:47
